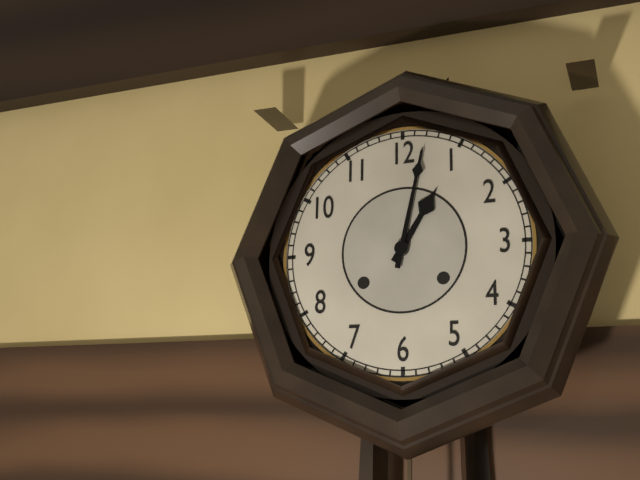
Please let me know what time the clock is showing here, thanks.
1:02
